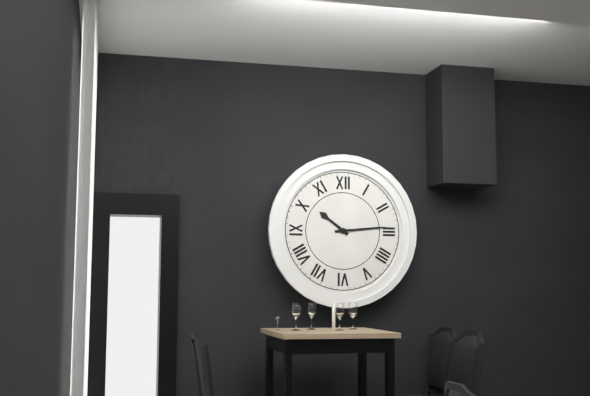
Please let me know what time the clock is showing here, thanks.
10:14
